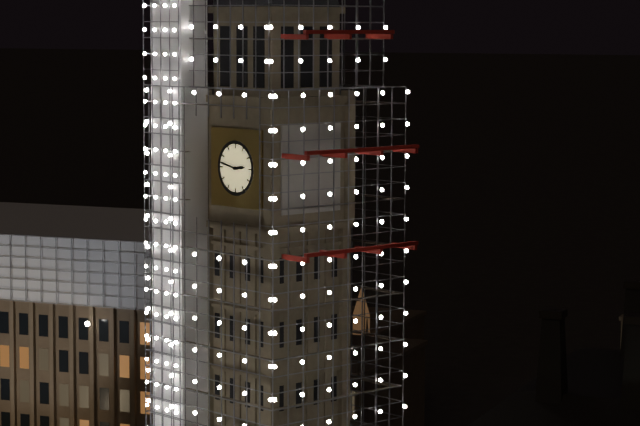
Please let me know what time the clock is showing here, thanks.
2:47
